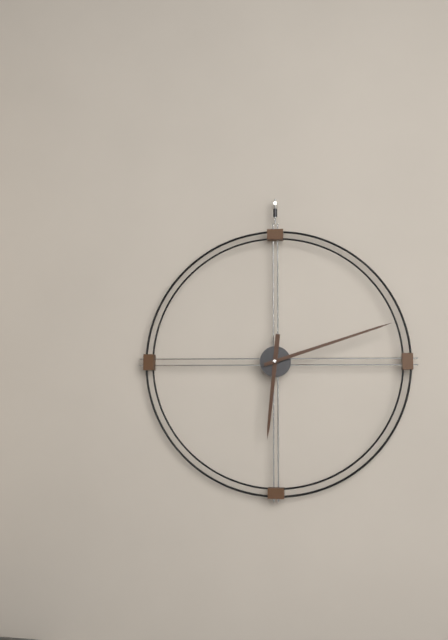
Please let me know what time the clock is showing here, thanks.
6:12
